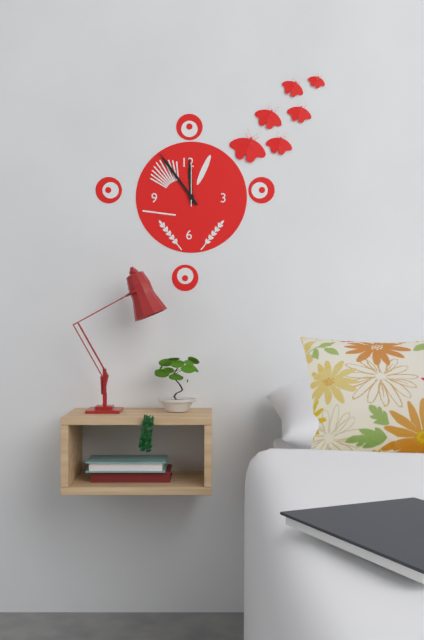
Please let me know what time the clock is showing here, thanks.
11:54
